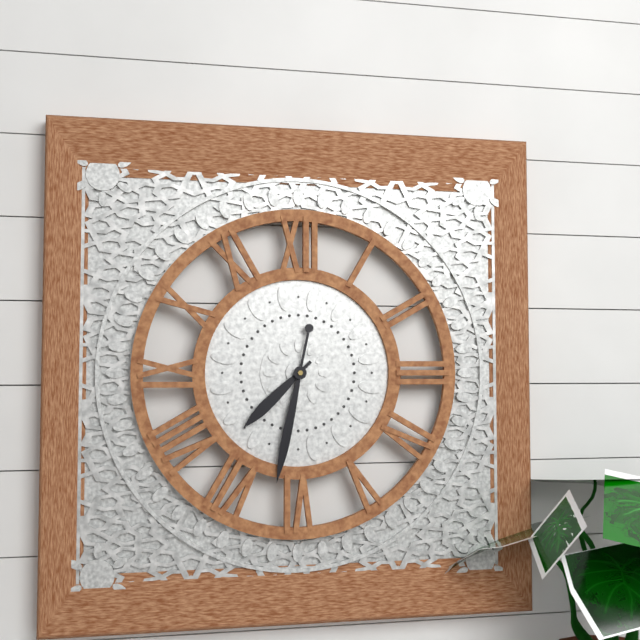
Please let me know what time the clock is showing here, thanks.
7:32
